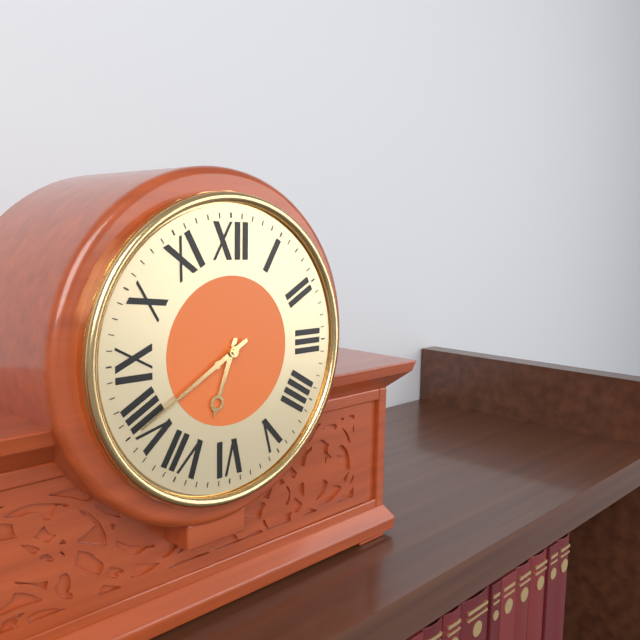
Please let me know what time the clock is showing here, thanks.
6:40
